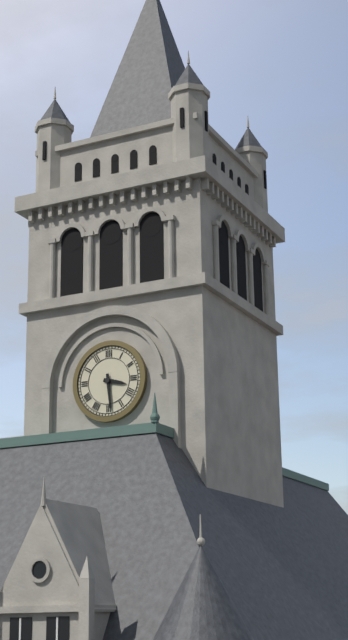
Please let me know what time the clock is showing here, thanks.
3:29
